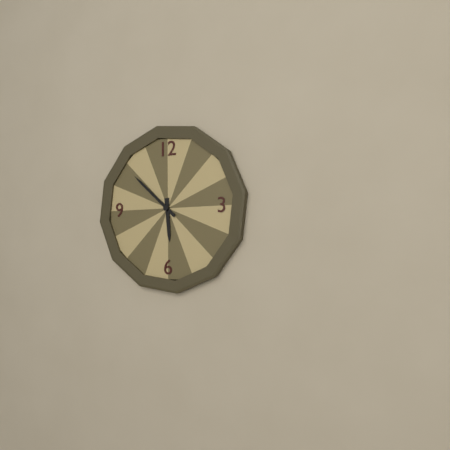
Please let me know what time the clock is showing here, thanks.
5:52
